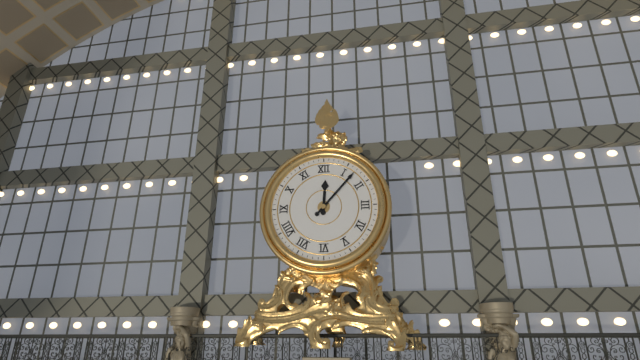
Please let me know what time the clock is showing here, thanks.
12:07
